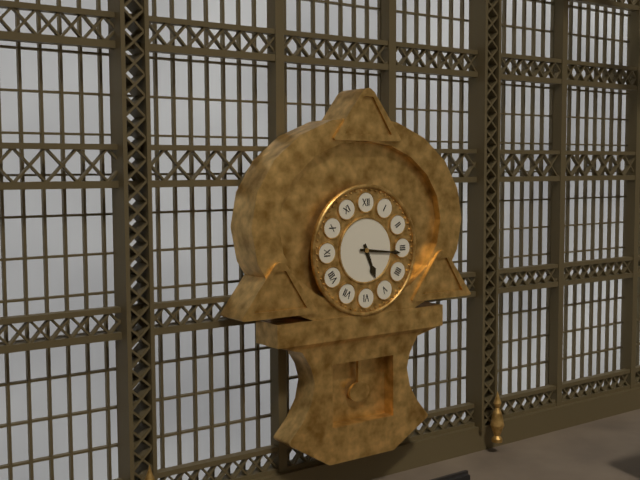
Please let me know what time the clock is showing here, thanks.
5:16
